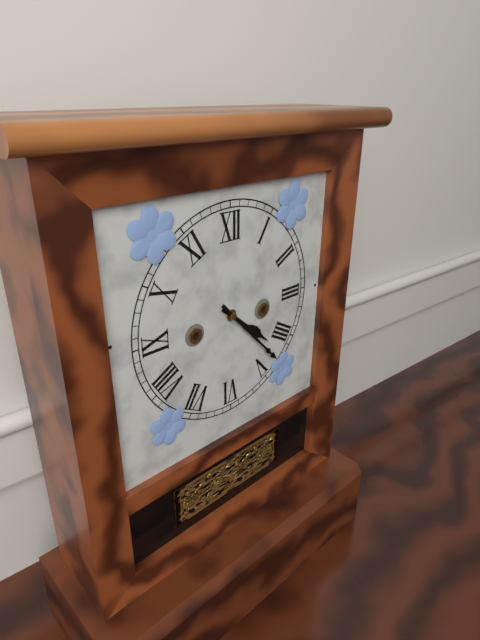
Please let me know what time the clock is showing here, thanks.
4:23
